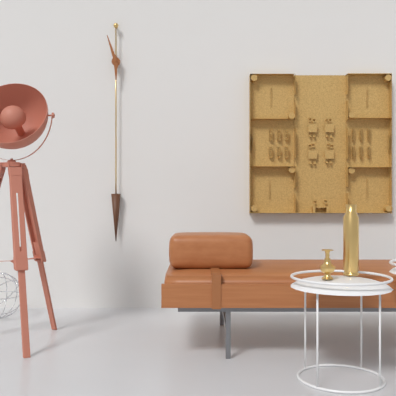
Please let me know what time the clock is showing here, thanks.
5:57
